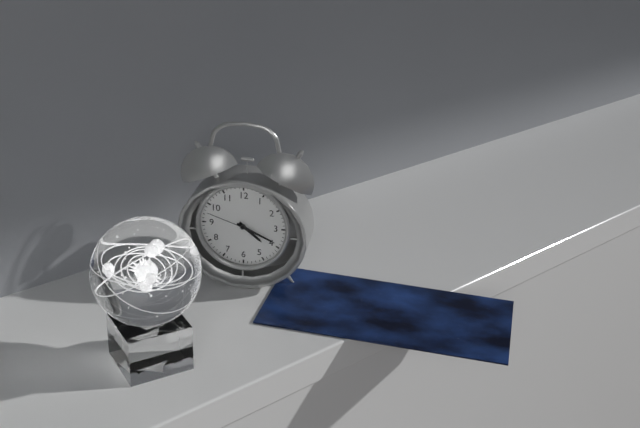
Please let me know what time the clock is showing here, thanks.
4:19
